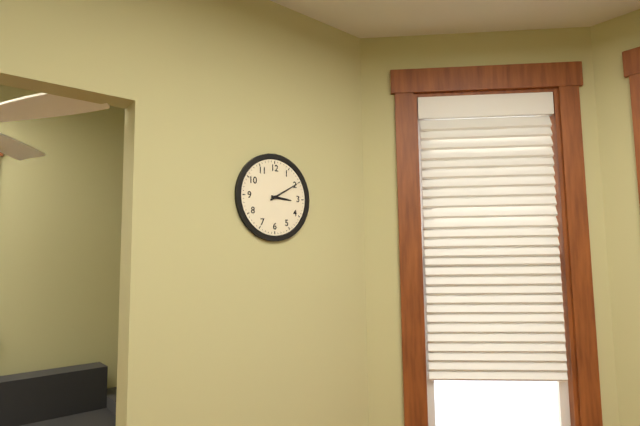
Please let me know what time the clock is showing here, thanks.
3:10
